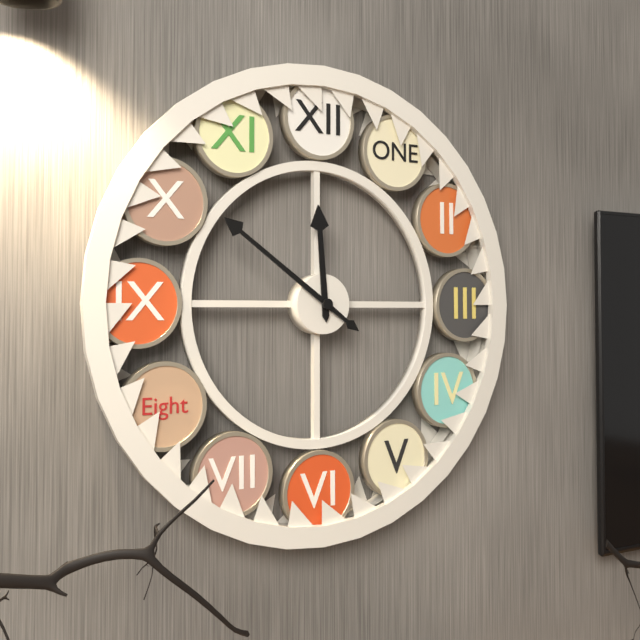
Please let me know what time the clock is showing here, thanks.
11:51
